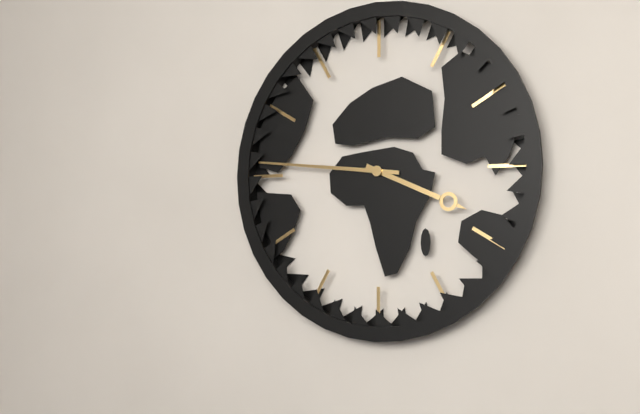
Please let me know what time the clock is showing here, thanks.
3:46
